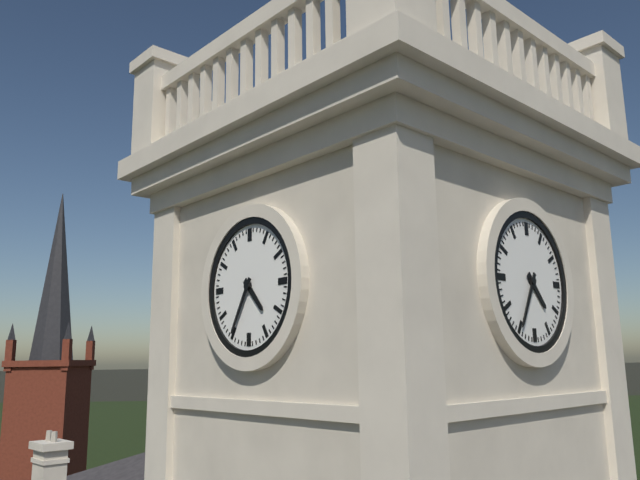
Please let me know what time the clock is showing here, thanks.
4:35
